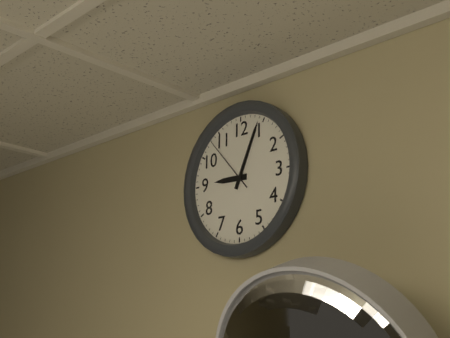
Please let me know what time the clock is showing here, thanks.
9:04:53
